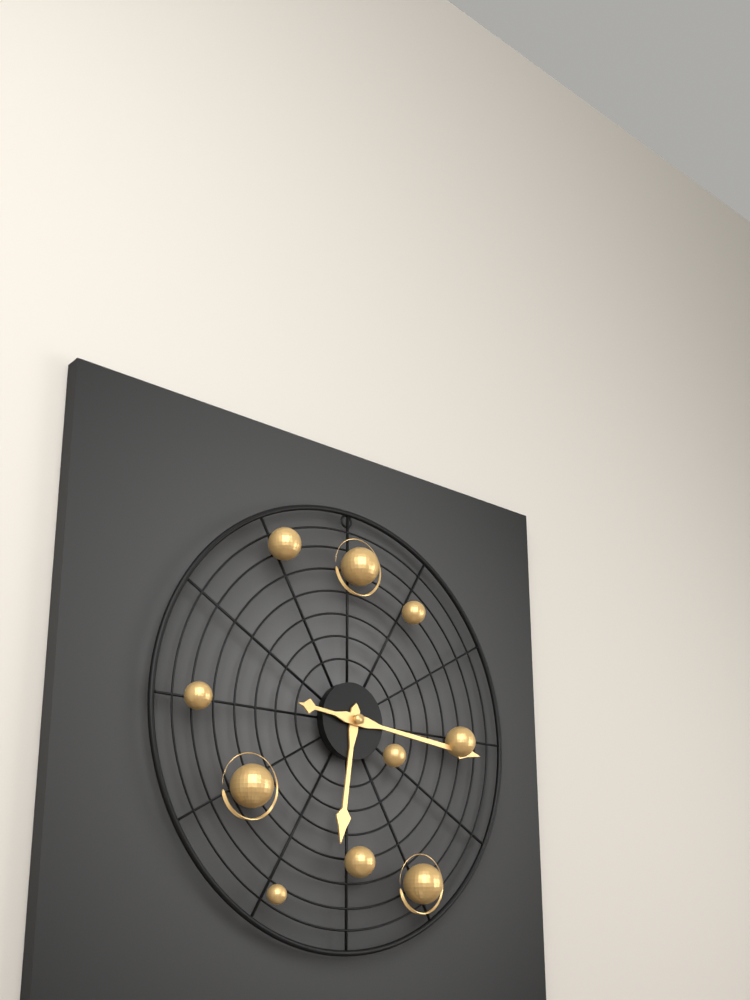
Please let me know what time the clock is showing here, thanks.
6:16
